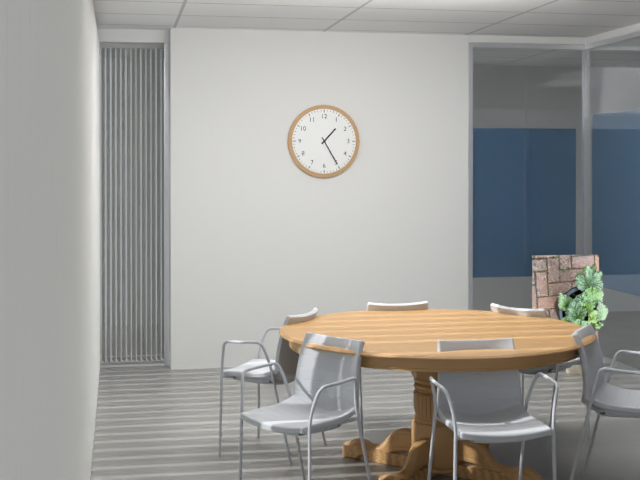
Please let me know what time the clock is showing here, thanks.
1:25
